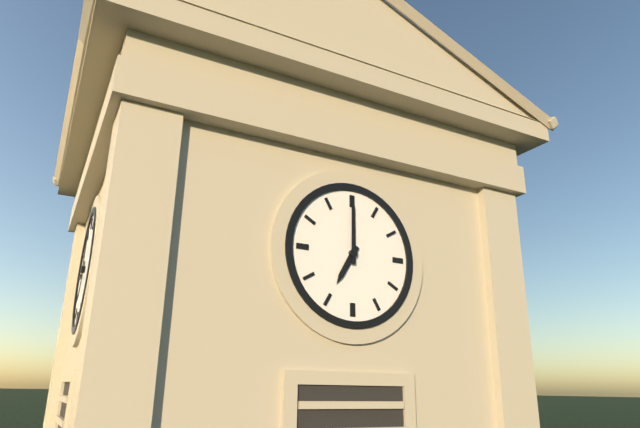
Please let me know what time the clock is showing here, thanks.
7:00
